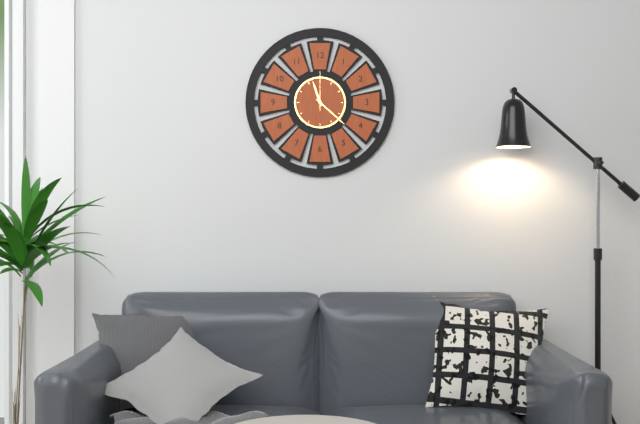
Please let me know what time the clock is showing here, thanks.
11:22
